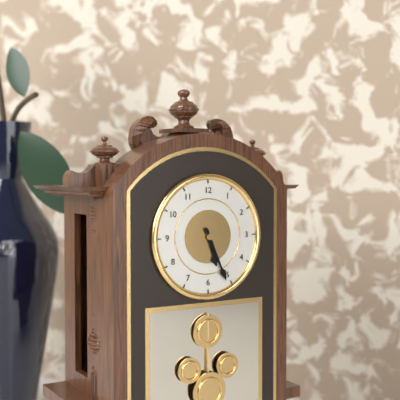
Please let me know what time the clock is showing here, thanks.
5:26
